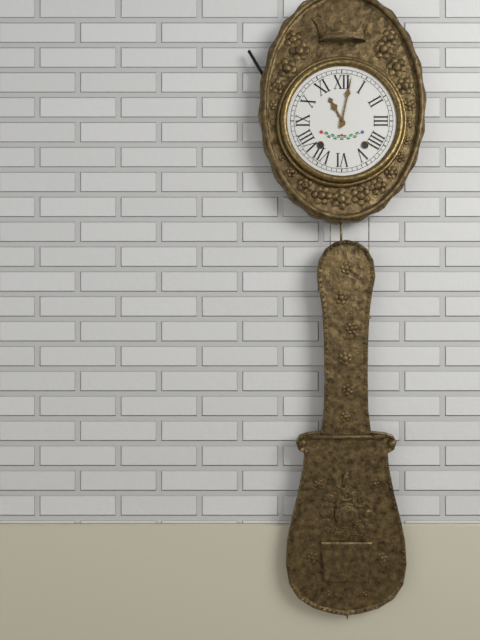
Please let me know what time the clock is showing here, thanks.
11:02
